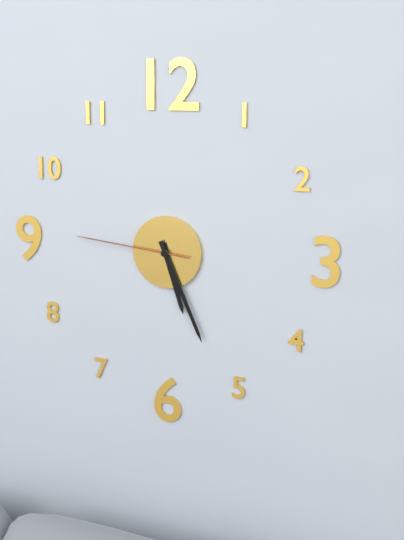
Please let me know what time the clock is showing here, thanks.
5:26:46
